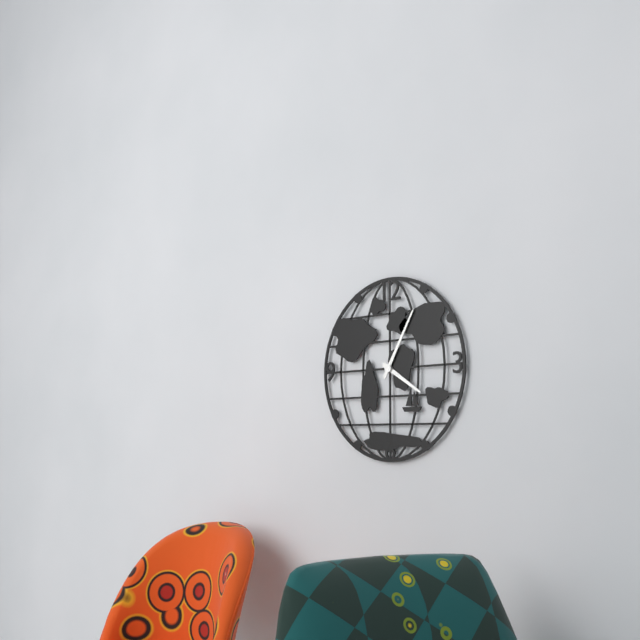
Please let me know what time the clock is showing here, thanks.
4:05
